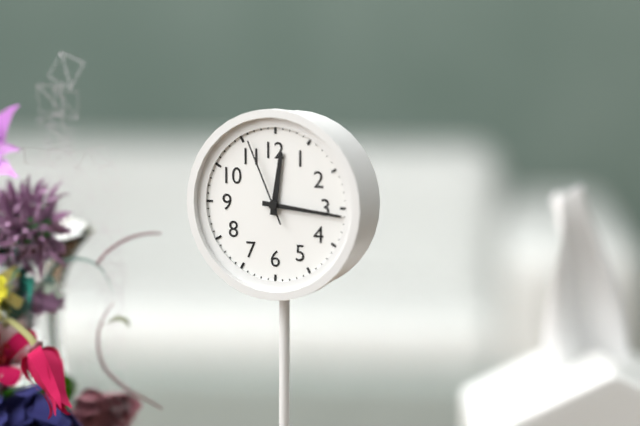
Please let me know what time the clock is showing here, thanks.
12:16:56
